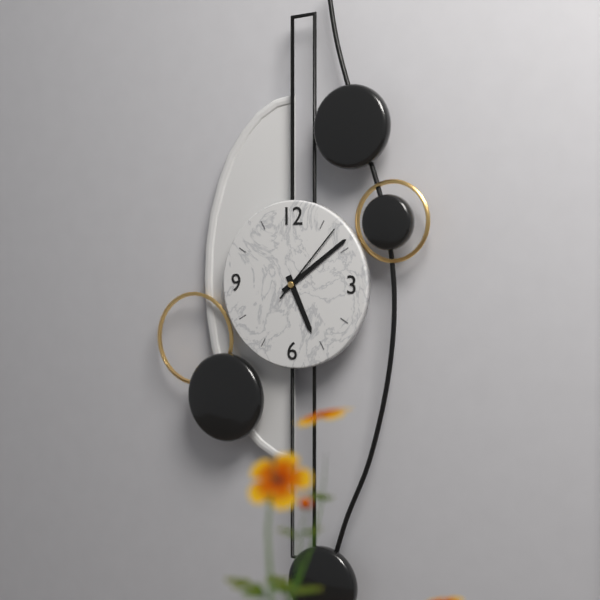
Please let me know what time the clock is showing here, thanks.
5:09:07
